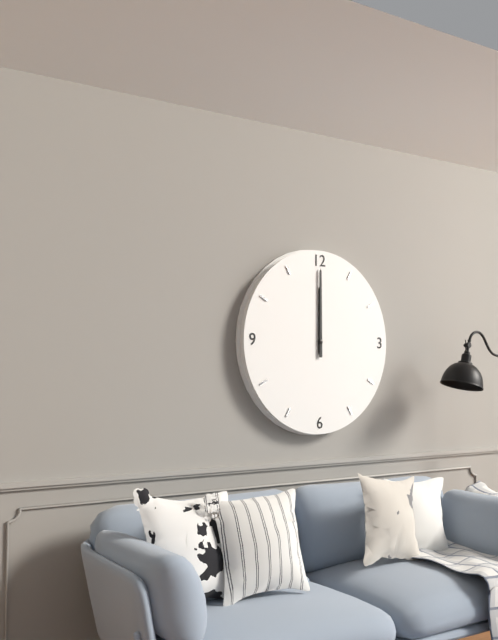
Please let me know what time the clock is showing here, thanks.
12:00
